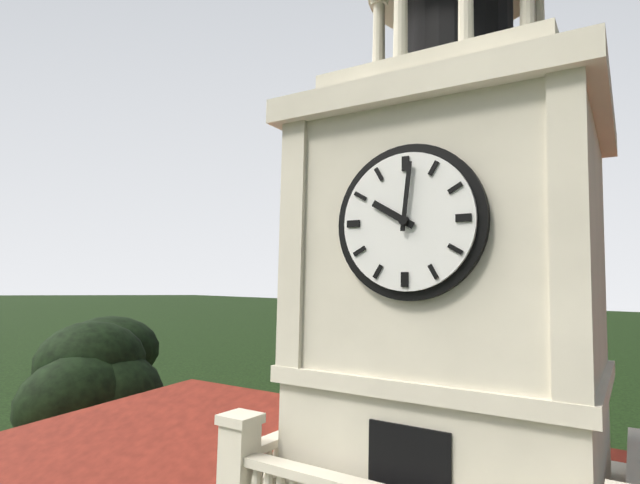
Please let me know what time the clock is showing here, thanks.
10:01
